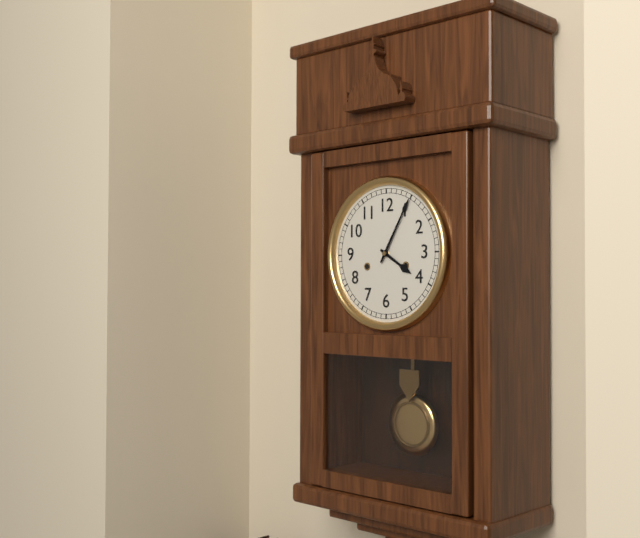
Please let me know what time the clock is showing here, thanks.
4:05
